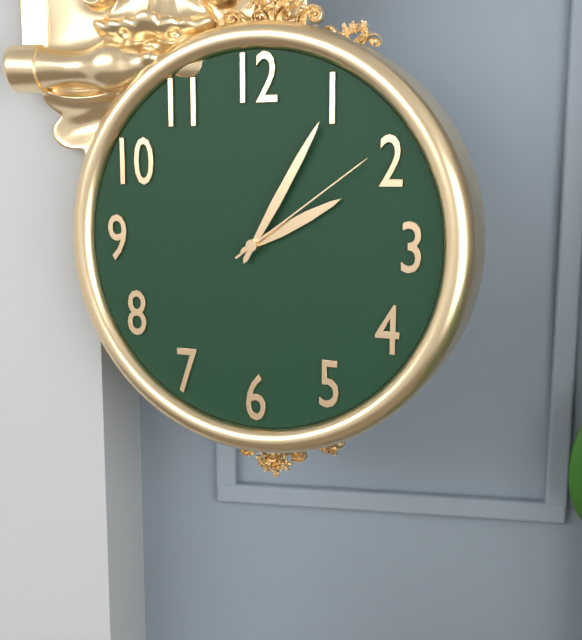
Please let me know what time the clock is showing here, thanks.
2:05:09
